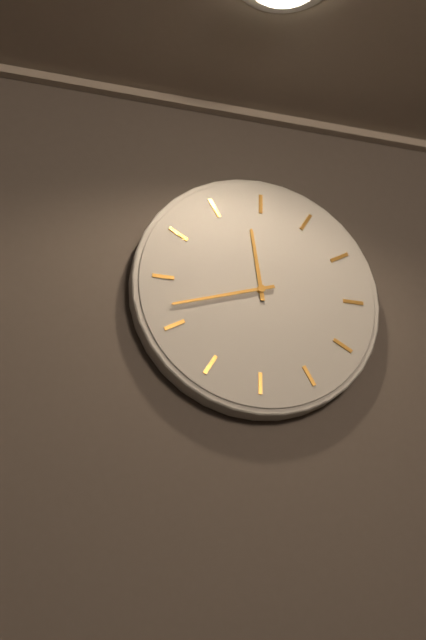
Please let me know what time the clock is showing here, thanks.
11:42
